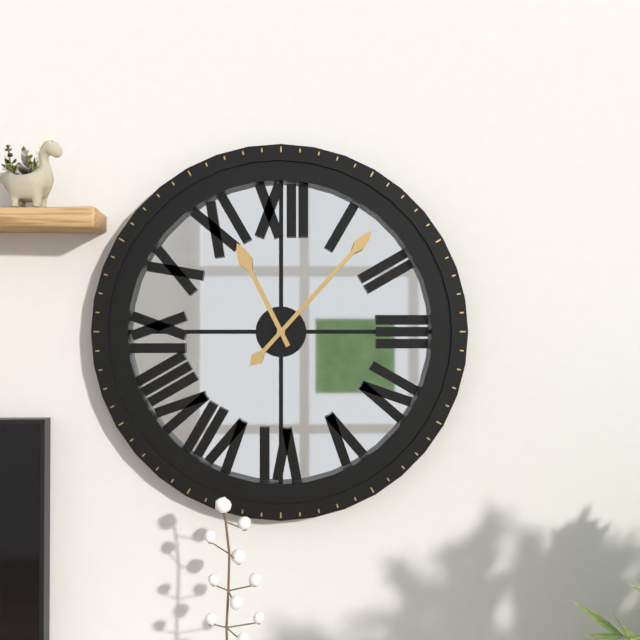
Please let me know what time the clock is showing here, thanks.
11:07
